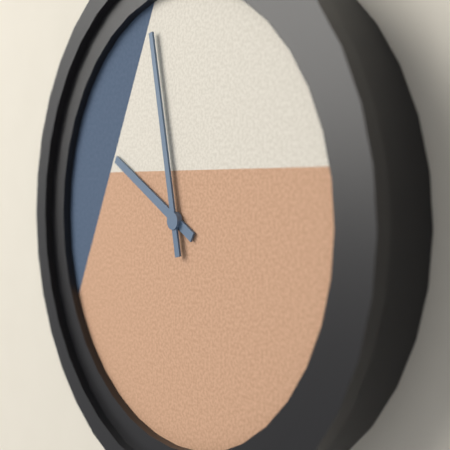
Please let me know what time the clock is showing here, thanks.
9:58
